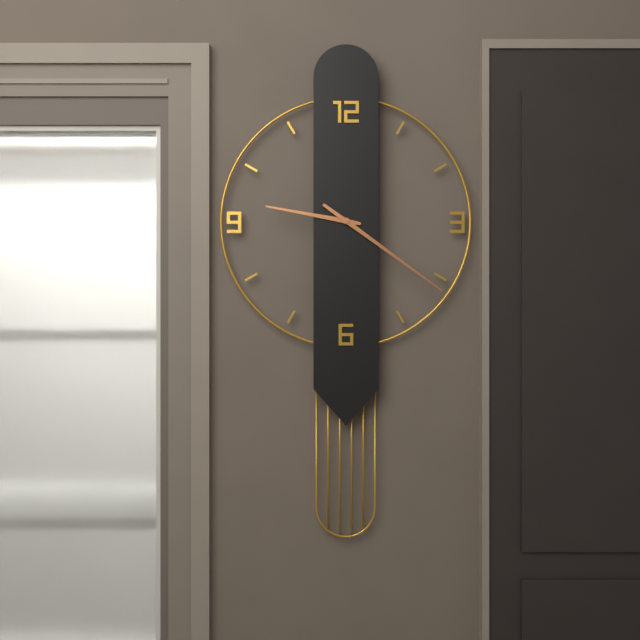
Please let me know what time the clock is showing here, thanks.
9:21
